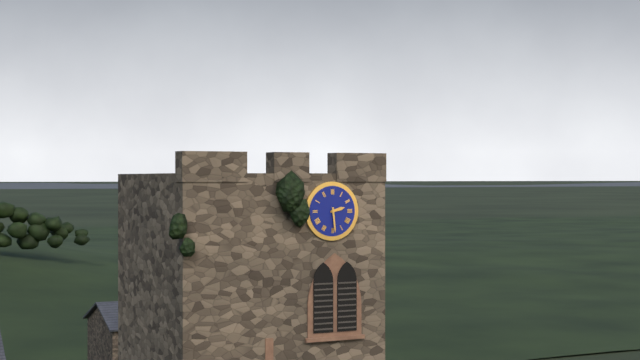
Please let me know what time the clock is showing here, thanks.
2:29
